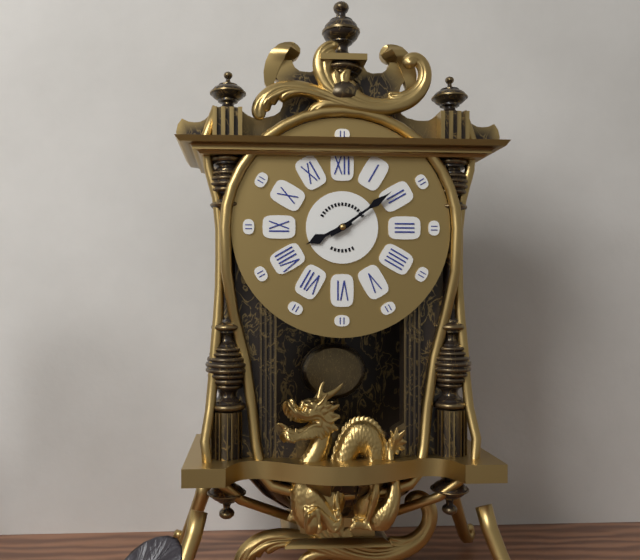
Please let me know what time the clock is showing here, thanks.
8:09
